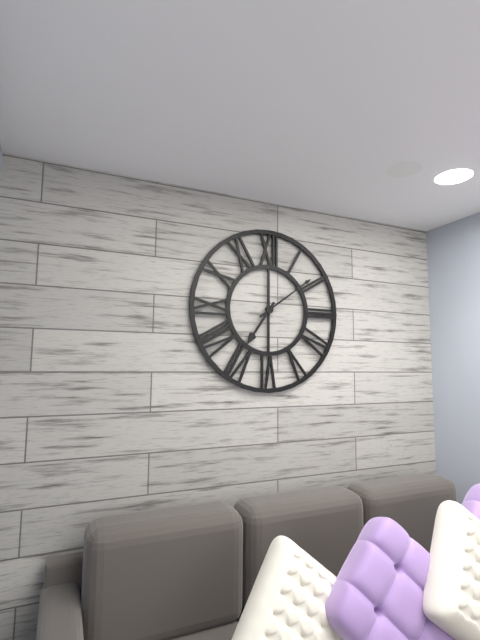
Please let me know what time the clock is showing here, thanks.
7:09
